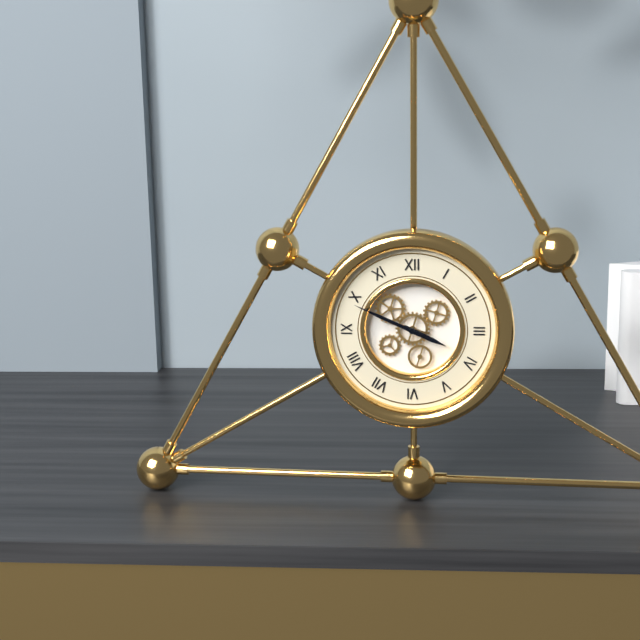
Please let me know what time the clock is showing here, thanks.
3:49
